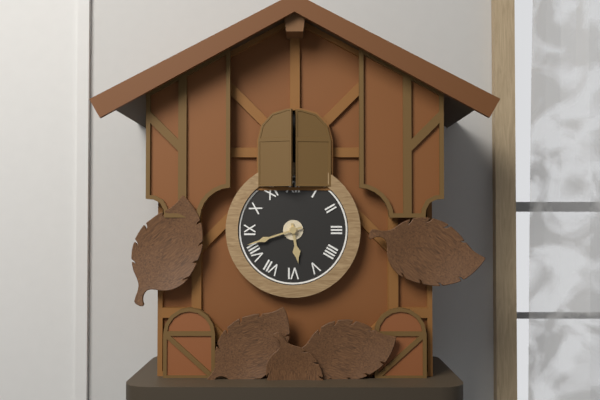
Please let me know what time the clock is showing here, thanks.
5:42
